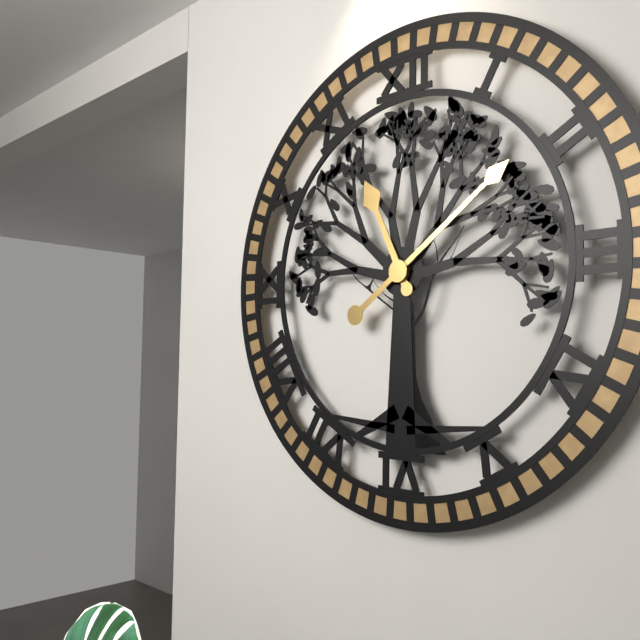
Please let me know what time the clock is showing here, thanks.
11:09
